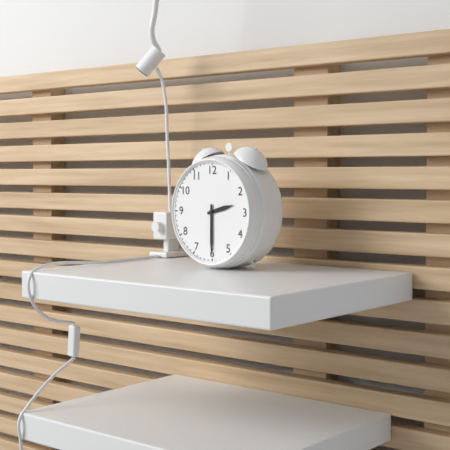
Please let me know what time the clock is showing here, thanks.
2:30
